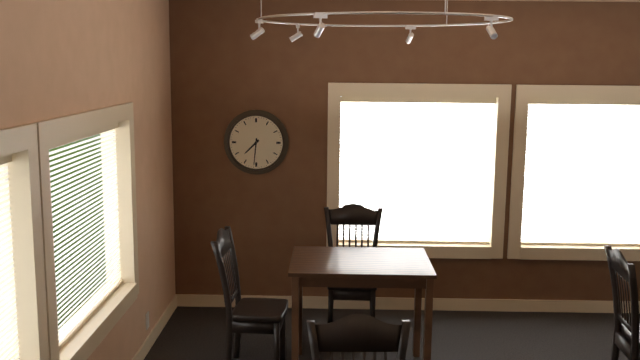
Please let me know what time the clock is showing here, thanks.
7:31
